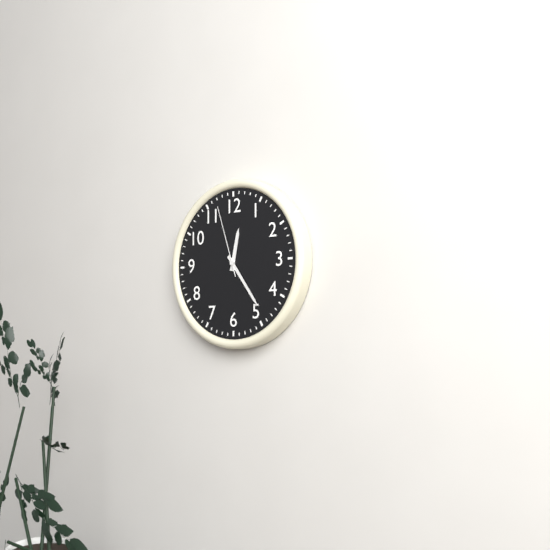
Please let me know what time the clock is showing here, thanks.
12:24:57
